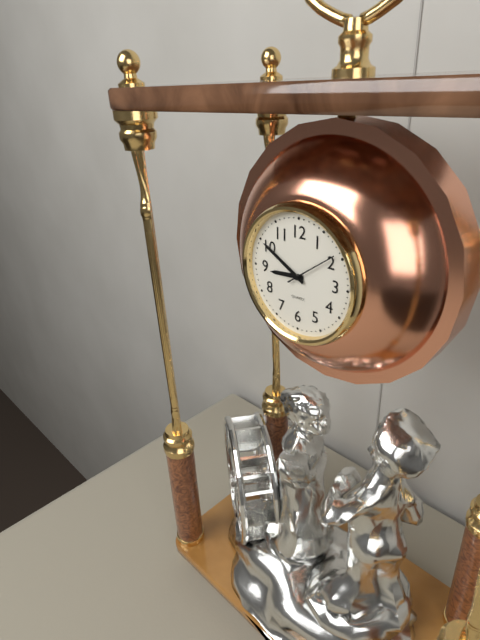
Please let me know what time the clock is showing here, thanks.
8:50:09
